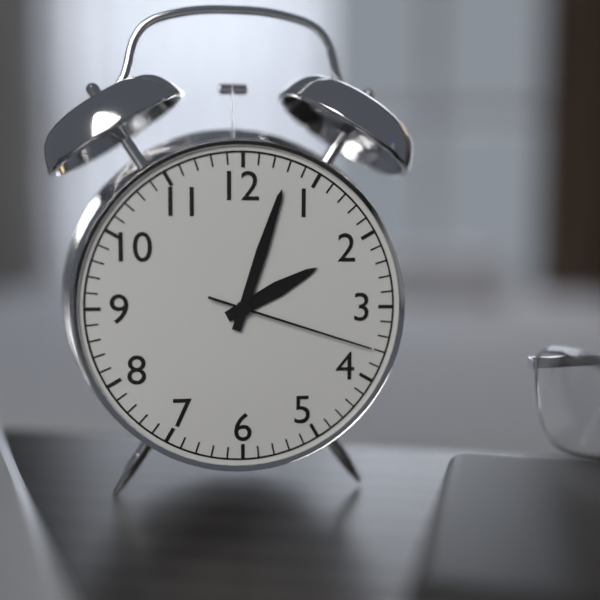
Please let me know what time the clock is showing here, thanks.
2:03:18
